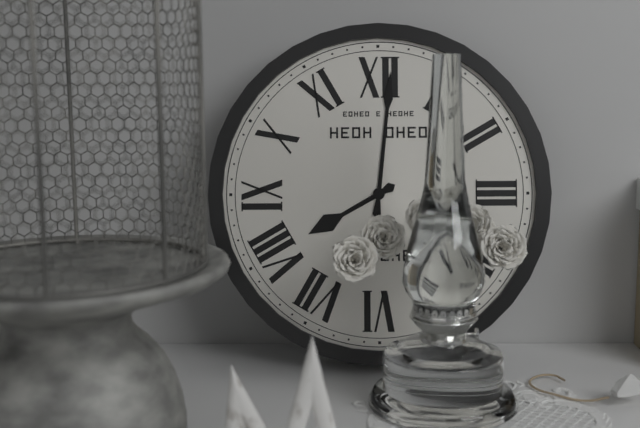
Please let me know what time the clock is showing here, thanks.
8:01
